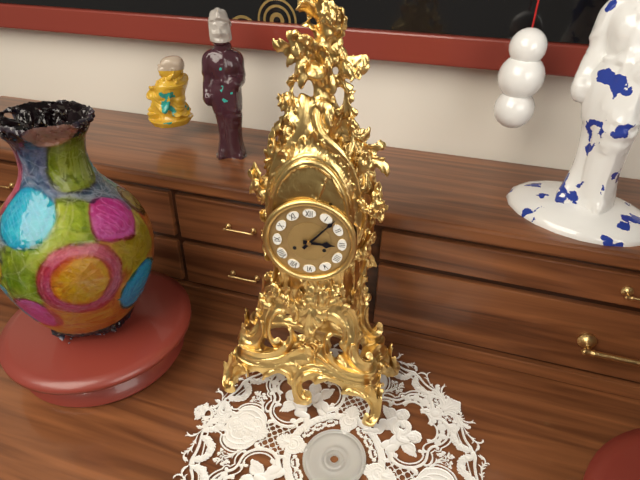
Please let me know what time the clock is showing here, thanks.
3:07
